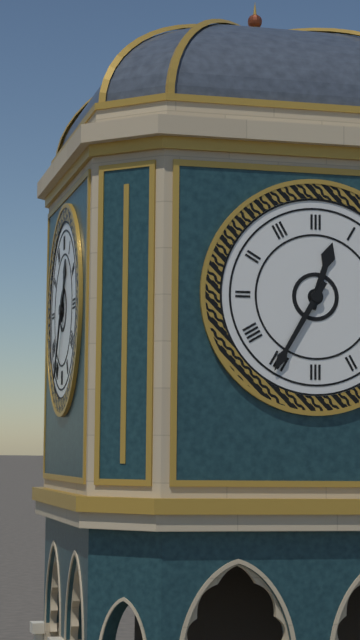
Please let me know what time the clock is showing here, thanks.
12:35
